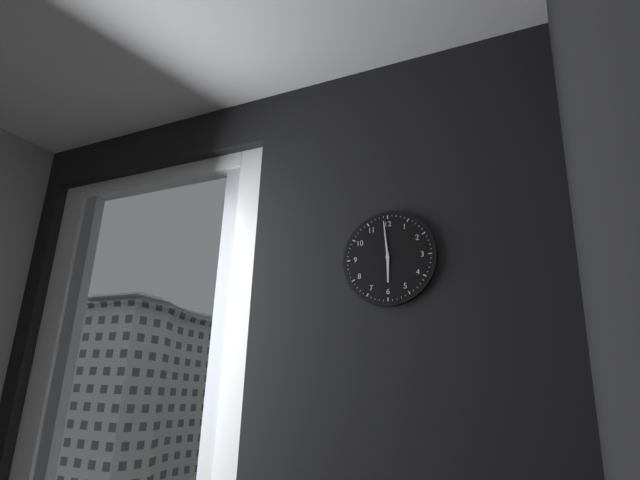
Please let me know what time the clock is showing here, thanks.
5:59
